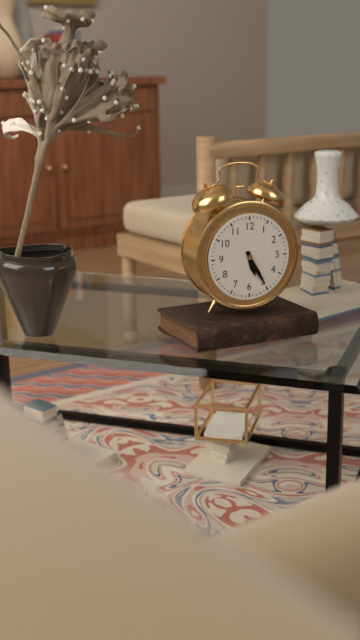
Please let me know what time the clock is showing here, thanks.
5:25
